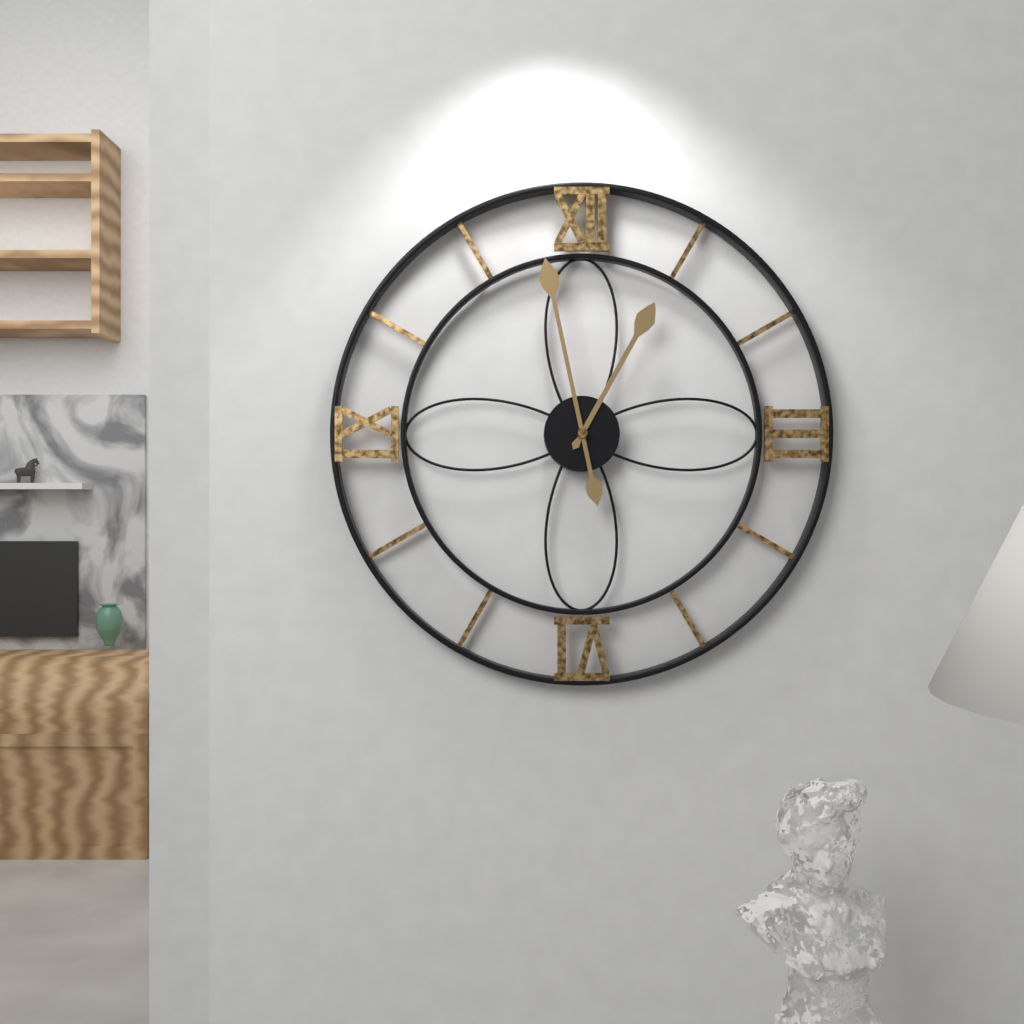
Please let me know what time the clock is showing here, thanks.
12:58
